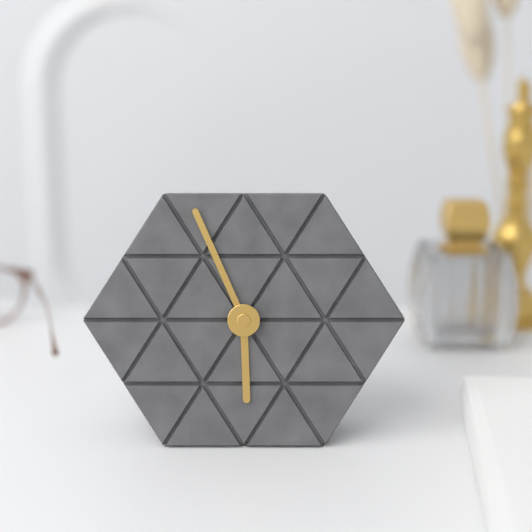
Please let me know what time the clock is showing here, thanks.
5:56
